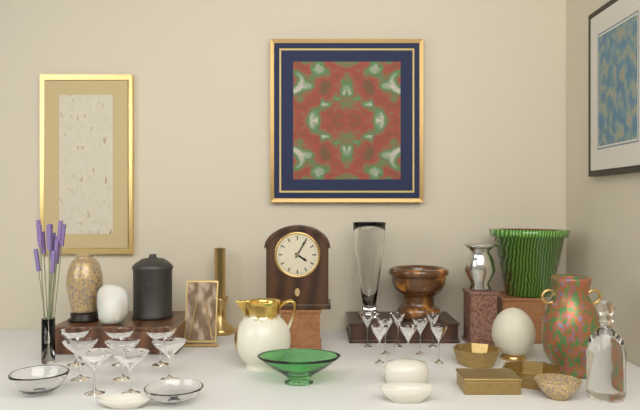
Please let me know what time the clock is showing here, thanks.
4:05
